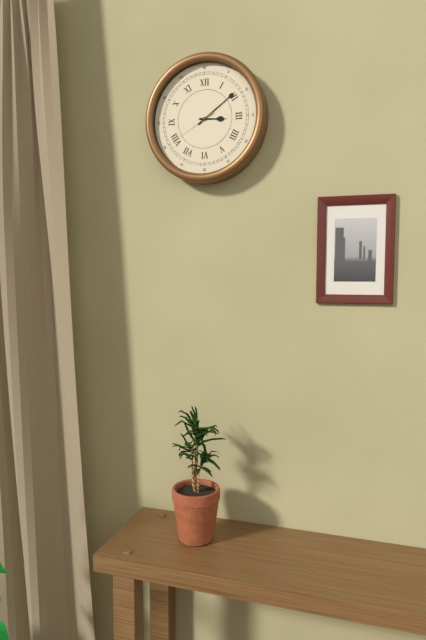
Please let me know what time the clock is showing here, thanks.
3:09:40
